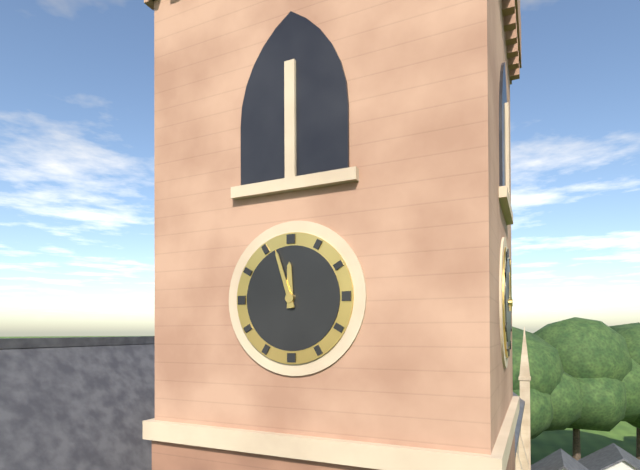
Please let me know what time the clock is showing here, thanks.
11:57
